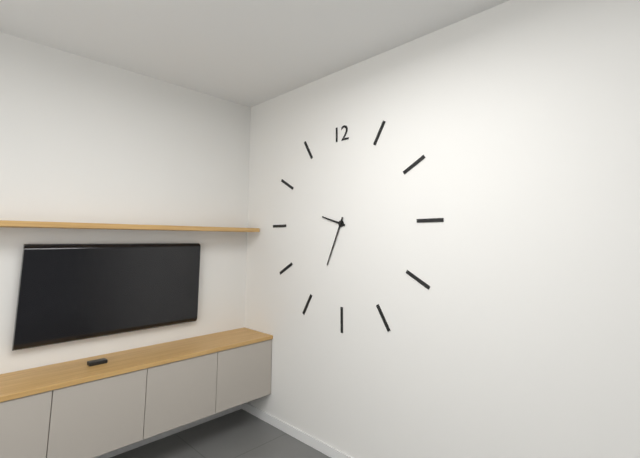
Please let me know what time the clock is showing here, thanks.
9:34
